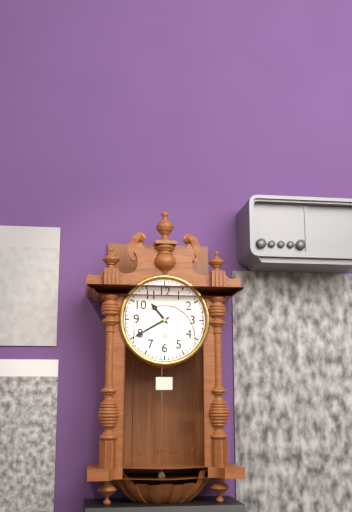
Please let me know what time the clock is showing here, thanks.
10:40
